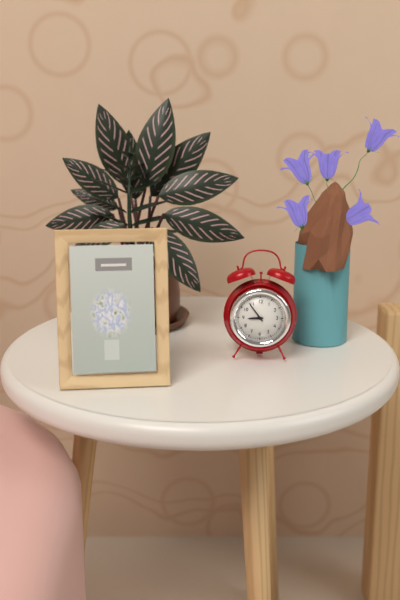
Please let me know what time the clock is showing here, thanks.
8:54
